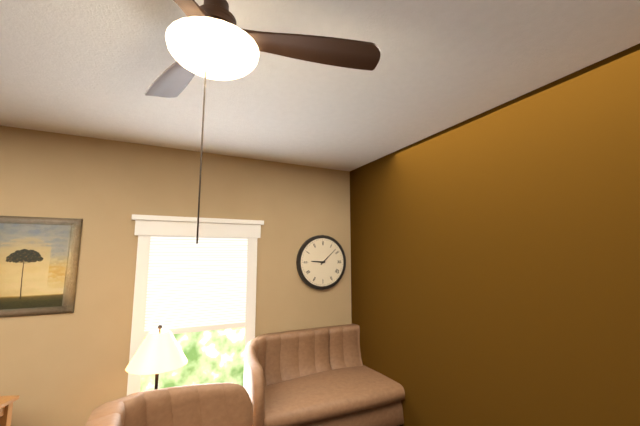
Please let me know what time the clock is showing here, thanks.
9:08
